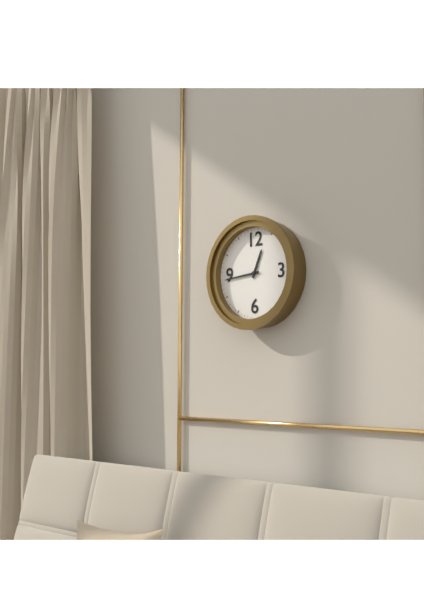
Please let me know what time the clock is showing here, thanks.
12:44
